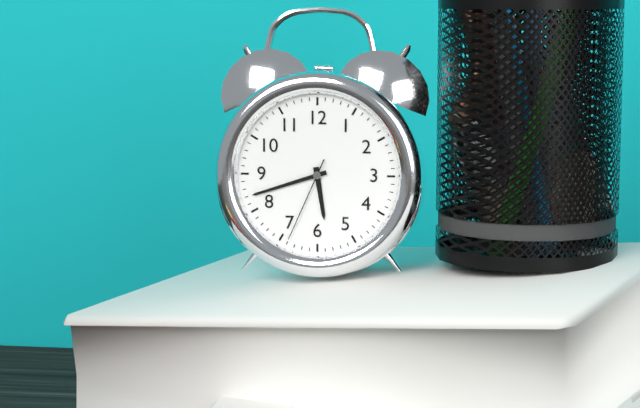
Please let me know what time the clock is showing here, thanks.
5:42:34
